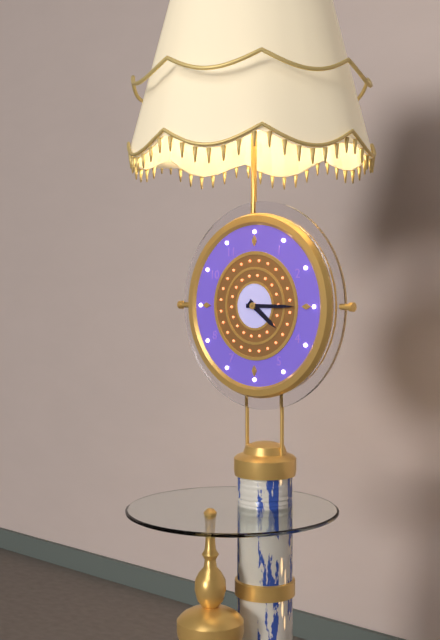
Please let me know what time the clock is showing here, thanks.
4:15
